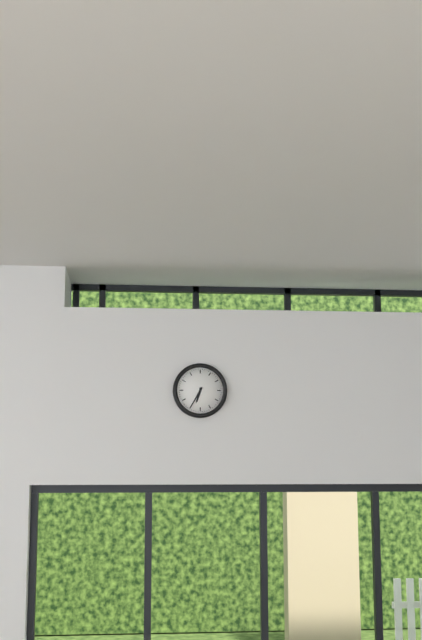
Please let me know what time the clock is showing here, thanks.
6:35
